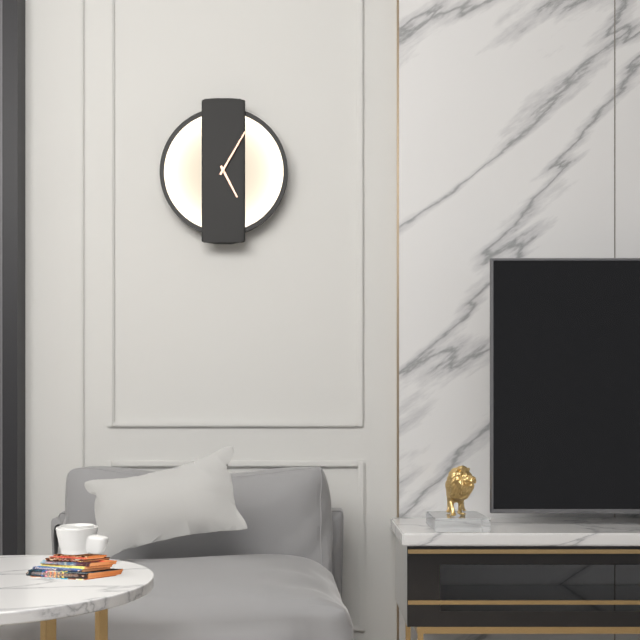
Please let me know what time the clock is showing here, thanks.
5:05
